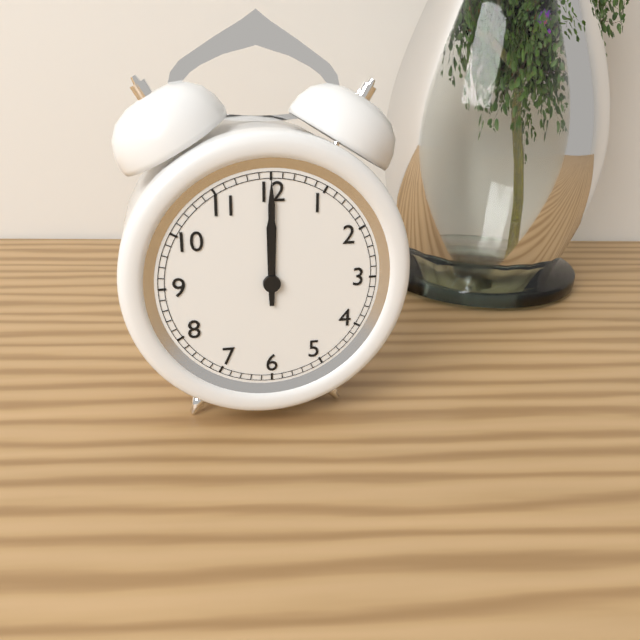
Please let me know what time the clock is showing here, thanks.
12:00
